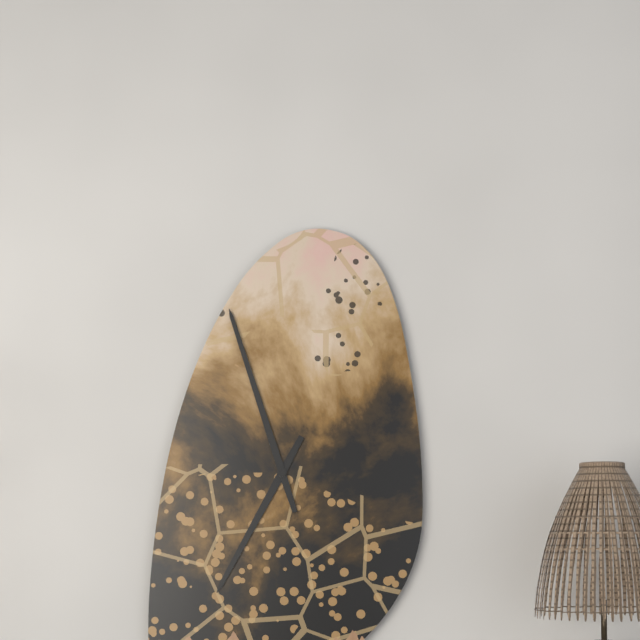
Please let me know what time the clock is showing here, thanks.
6:57
